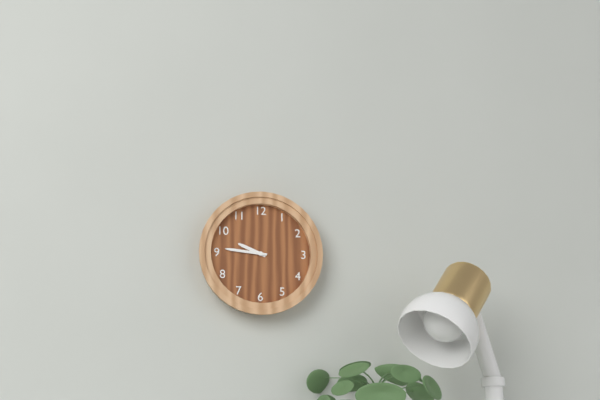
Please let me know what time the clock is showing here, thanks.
9:46
